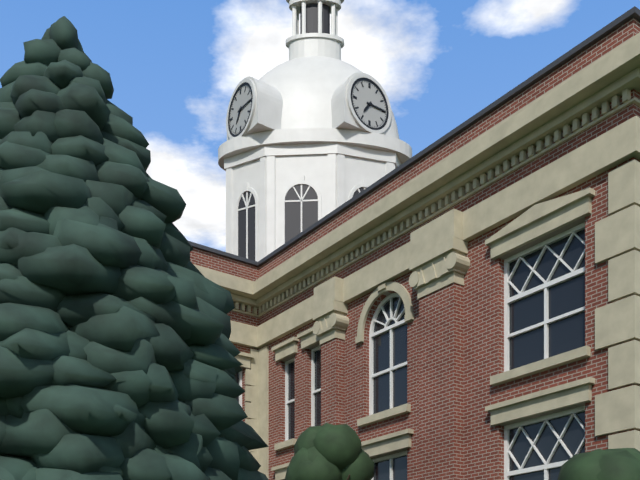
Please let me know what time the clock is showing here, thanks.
7:15
